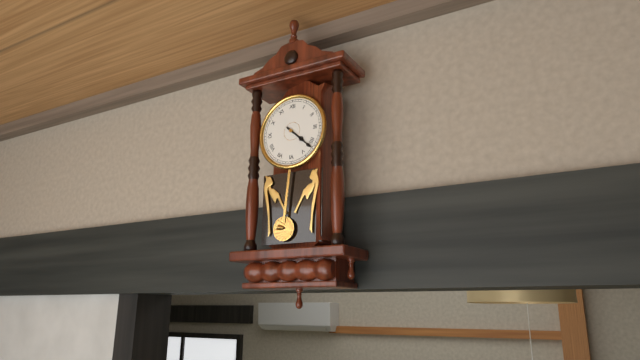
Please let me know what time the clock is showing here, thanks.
4:22
